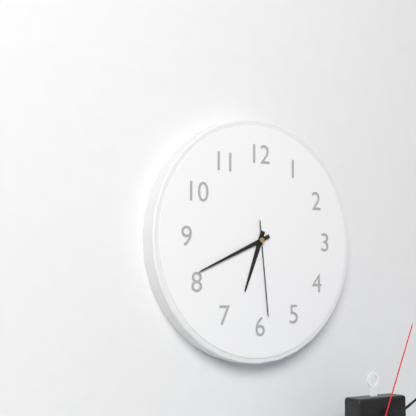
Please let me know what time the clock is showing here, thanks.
6:41:29
